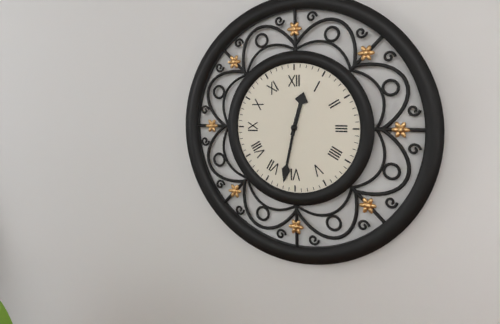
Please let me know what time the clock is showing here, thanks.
12:32
